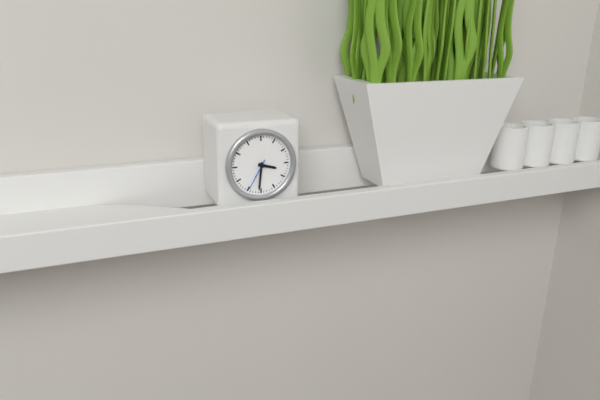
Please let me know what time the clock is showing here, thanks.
3:31
